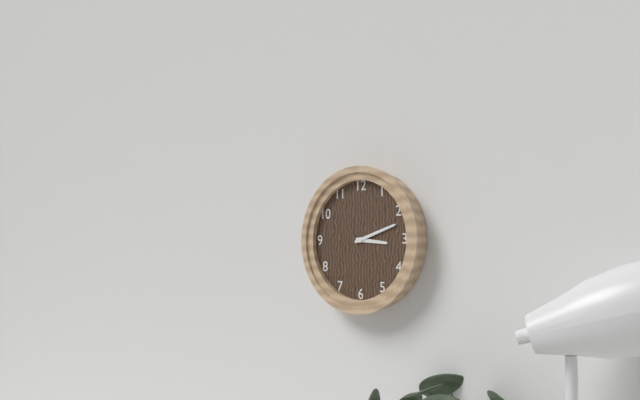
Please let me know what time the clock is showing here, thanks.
3:12
